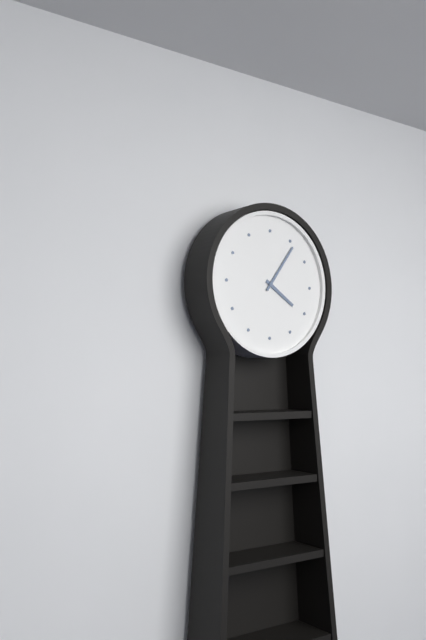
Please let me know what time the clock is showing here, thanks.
4:06
